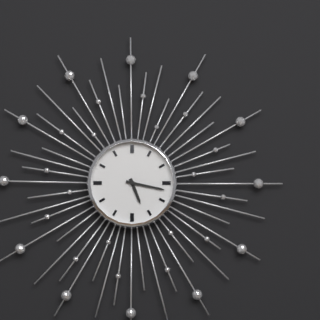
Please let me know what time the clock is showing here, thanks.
5:17
